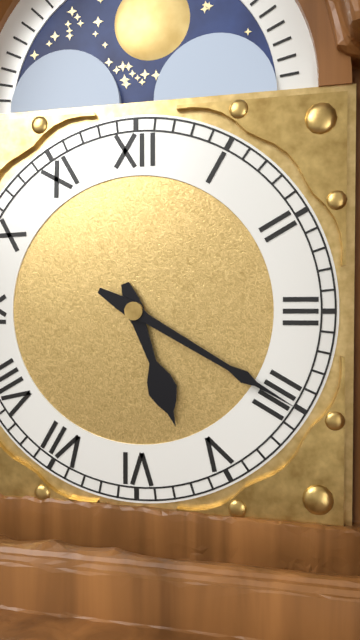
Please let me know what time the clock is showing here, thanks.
5:20
